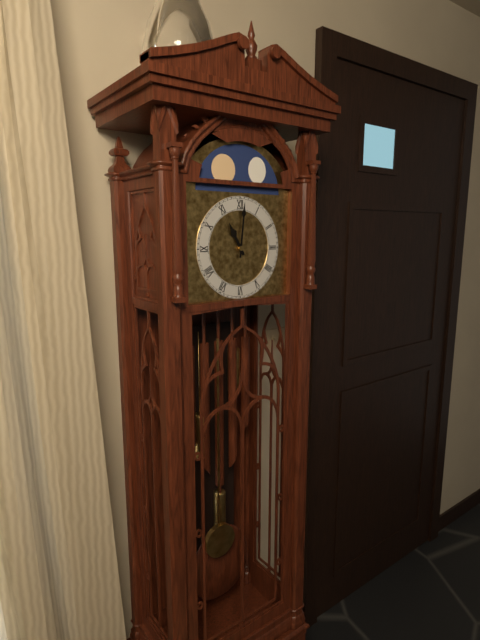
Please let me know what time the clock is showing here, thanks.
11:01
